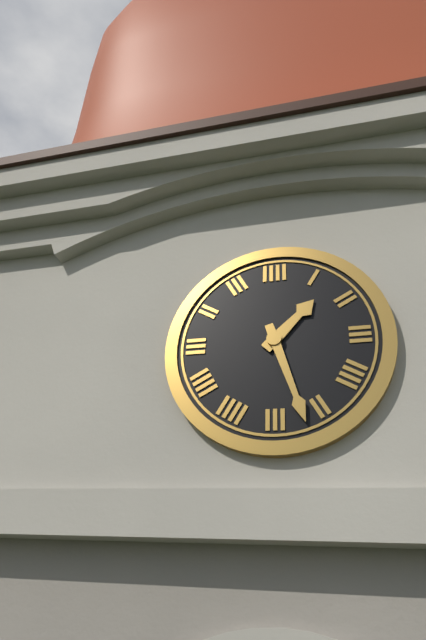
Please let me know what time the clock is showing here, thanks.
1:27
